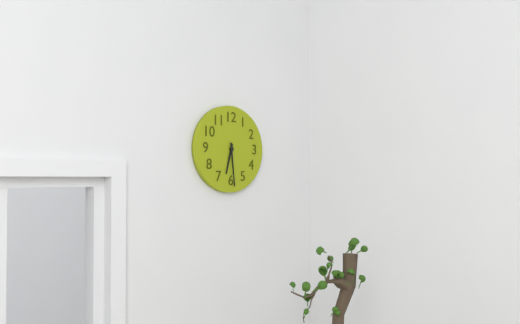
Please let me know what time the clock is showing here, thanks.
6:29
